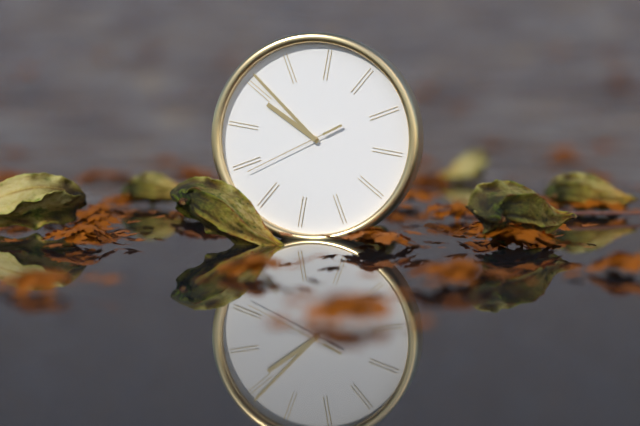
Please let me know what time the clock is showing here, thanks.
9:51:39
